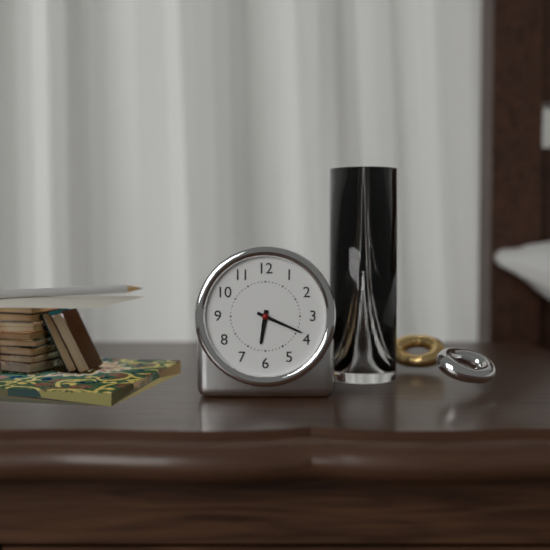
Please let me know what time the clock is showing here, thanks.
6:19
